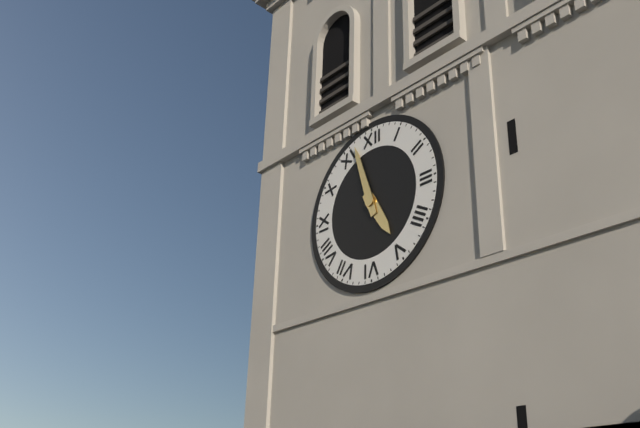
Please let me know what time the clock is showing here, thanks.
4:57
